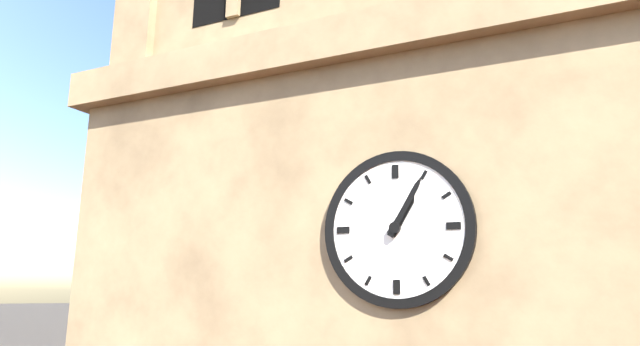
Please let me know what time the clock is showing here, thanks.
1:05
